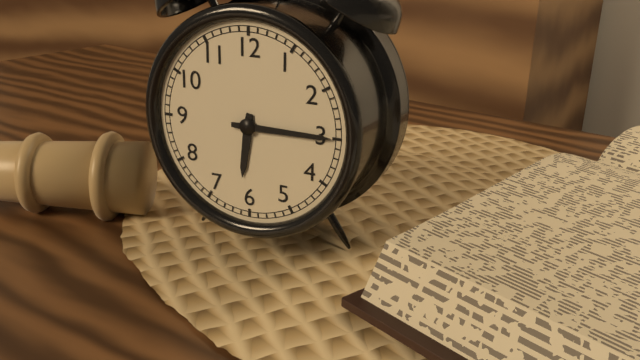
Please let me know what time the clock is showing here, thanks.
6:15
